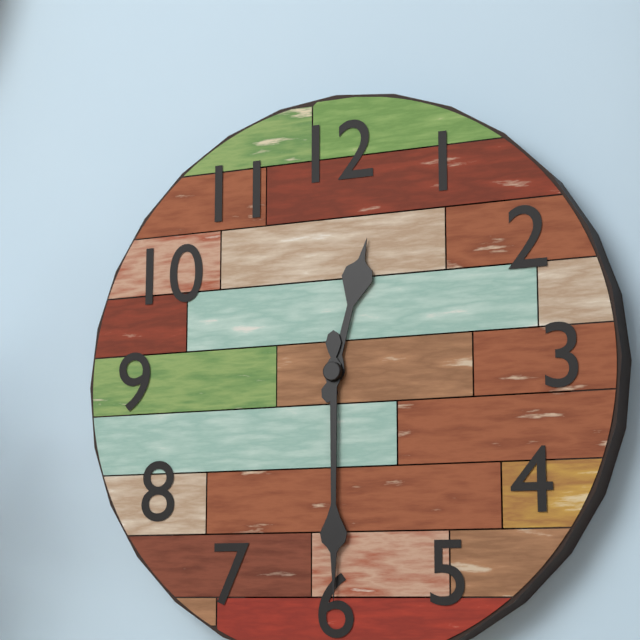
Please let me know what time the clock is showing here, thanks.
12:30
